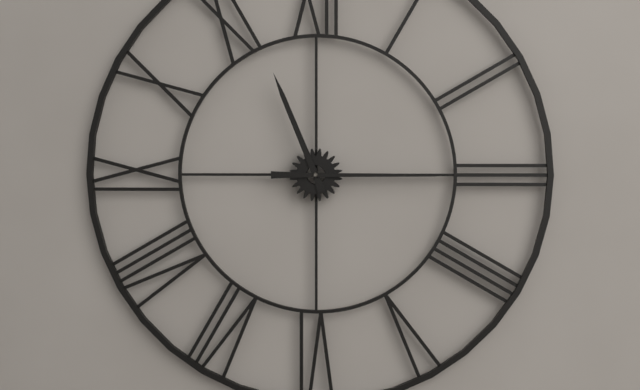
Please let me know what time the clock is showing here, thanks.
11:15
